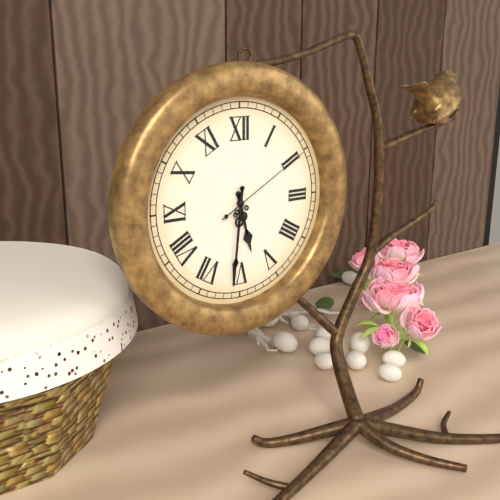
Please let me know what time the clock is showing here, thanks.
5:31:10
